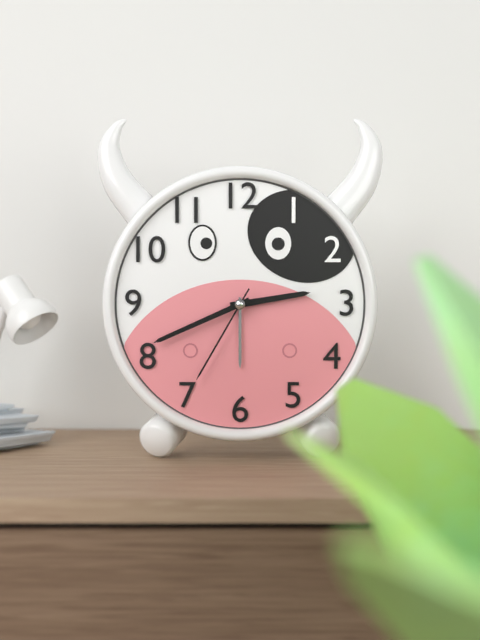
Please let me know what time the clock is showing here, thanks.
2:41:35
